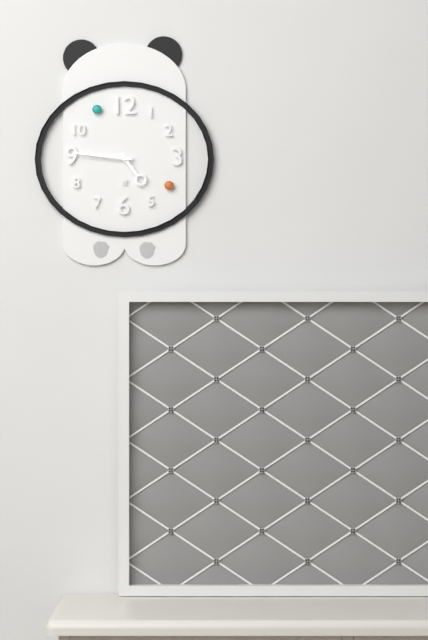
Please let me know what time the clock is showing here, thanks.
4:46
